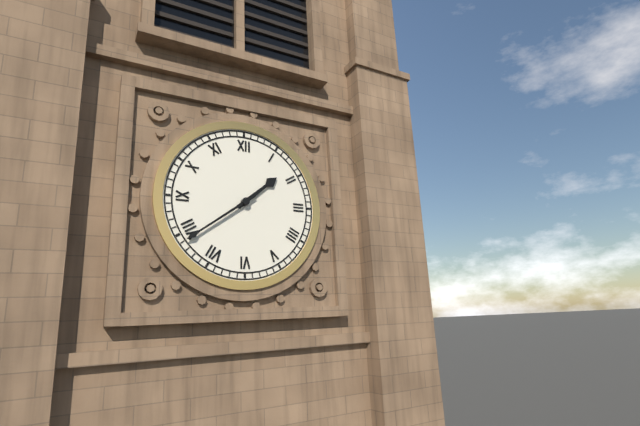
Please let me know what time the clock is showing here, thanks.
1:39
